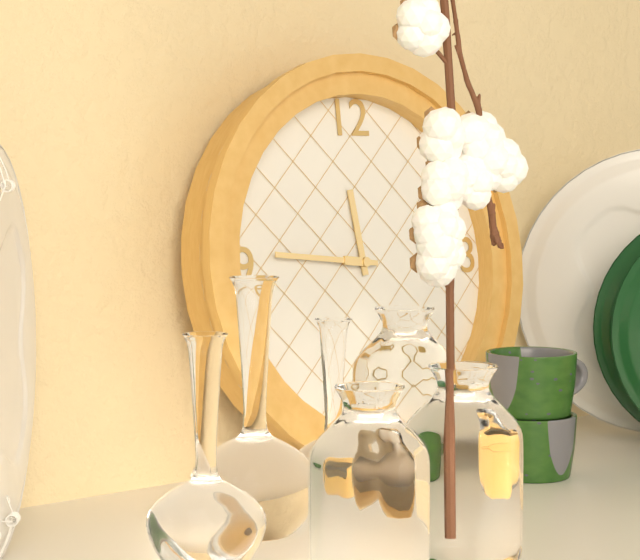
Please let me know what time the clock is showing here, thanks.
11:46
